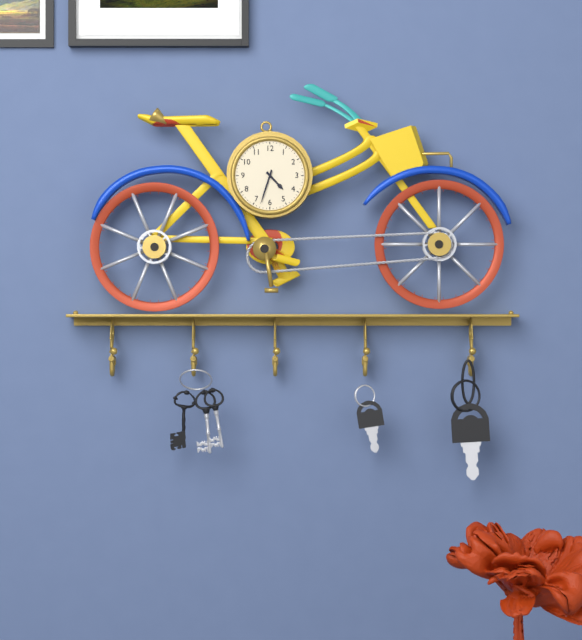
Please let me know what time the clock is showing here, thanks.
4:33
